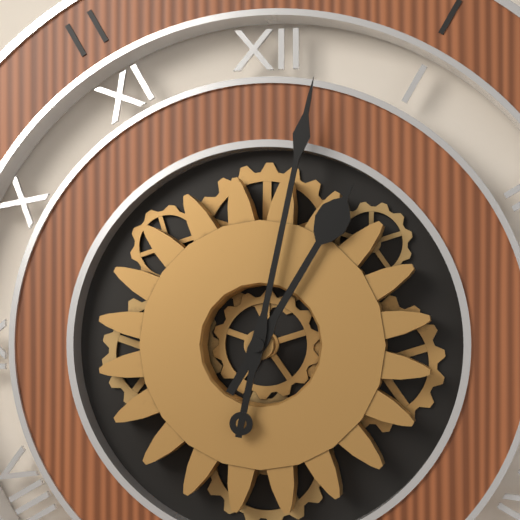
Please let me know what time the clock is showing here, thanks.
1:02
